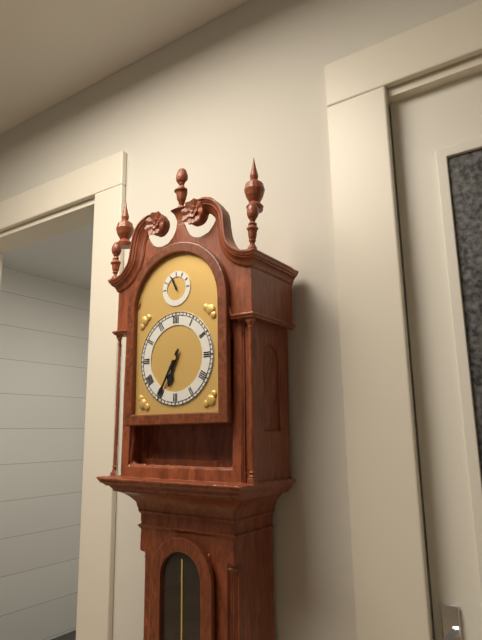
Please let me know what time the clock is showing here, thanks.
6:35
